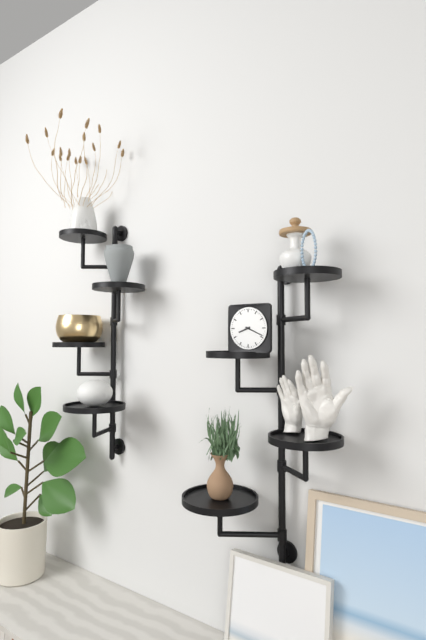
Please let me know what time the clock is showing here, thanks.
8:19
